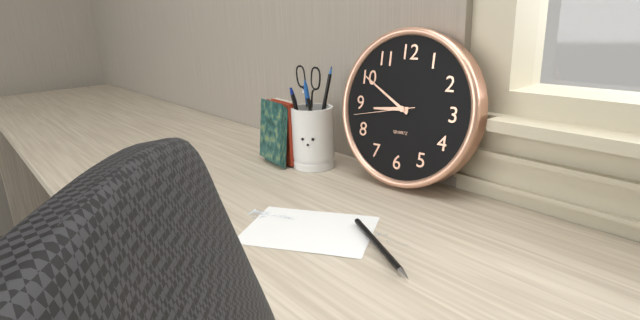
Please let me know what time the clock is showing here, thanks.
8:50:43
